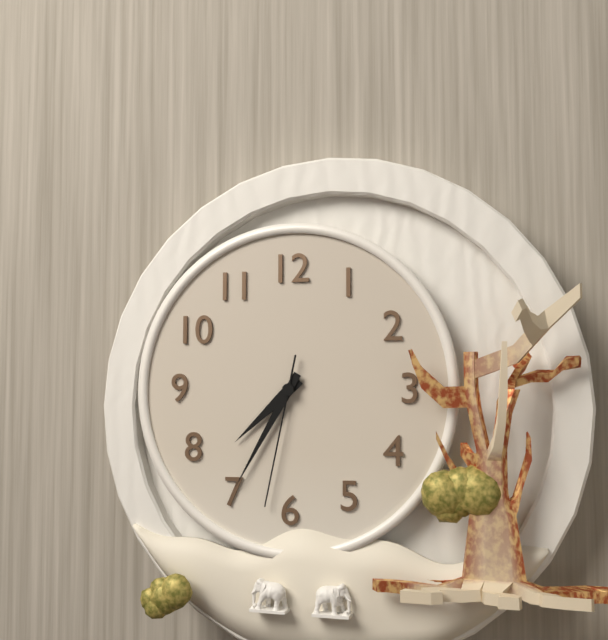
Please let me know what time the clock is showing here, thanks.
7:35:32
